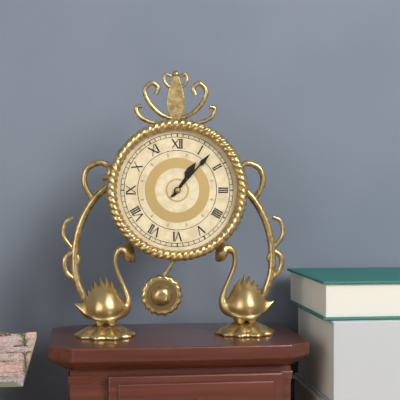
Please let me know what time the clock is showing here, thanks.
1:07
